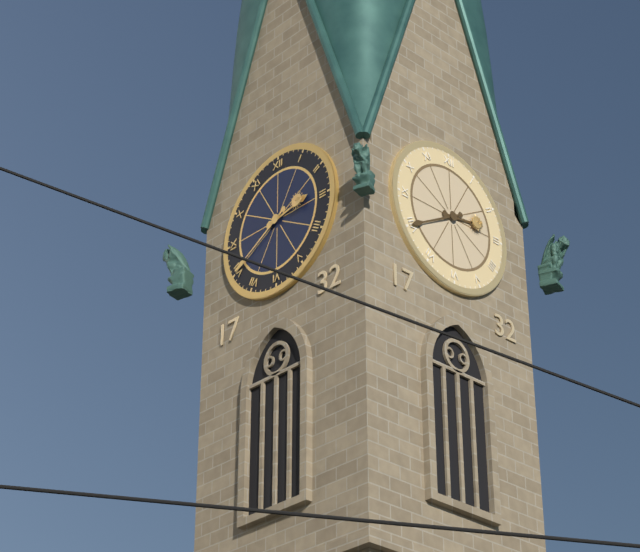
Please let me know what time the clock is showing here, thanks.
2:40
